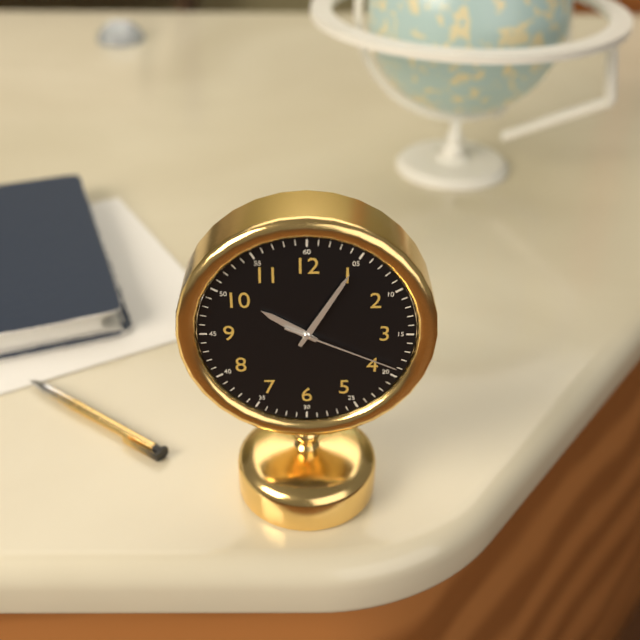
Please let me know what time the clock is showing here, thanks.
10:05:19
